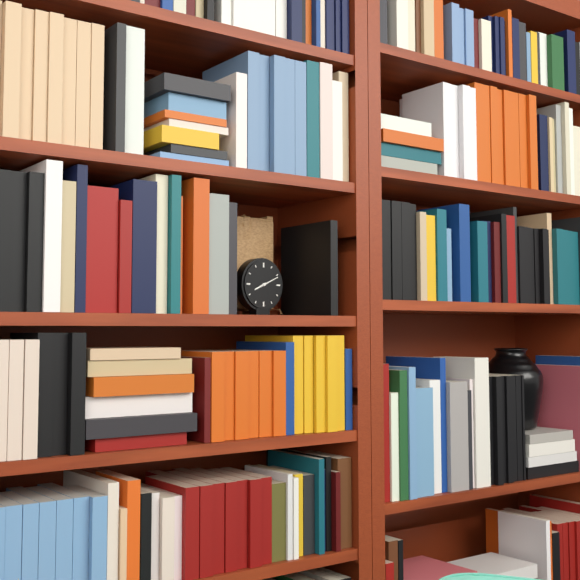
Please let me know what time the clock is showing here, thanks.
8:11
